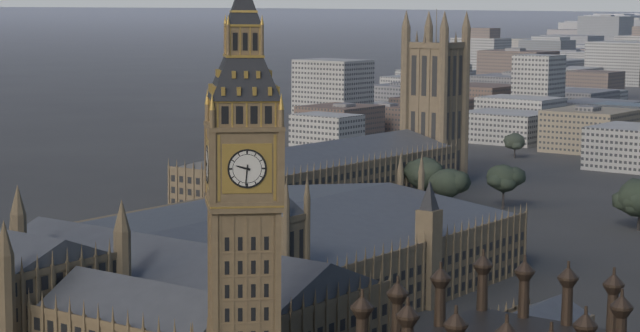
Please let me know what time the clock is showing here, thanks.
9:31
